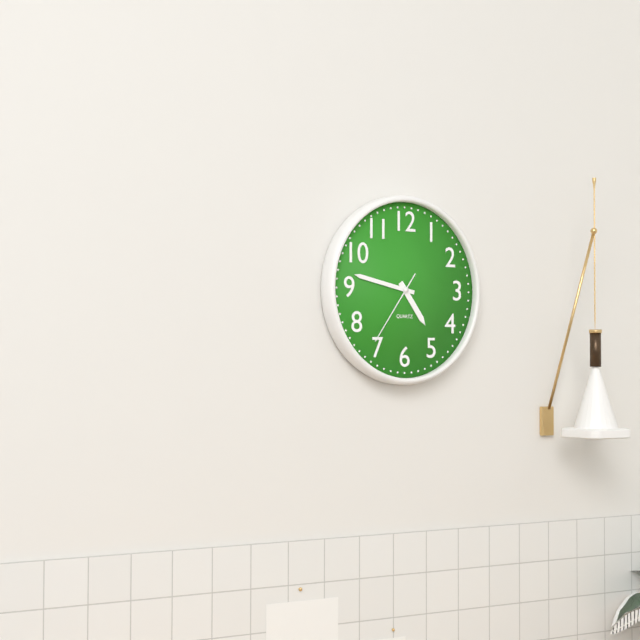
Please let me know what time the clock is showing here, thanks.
4:47:36
